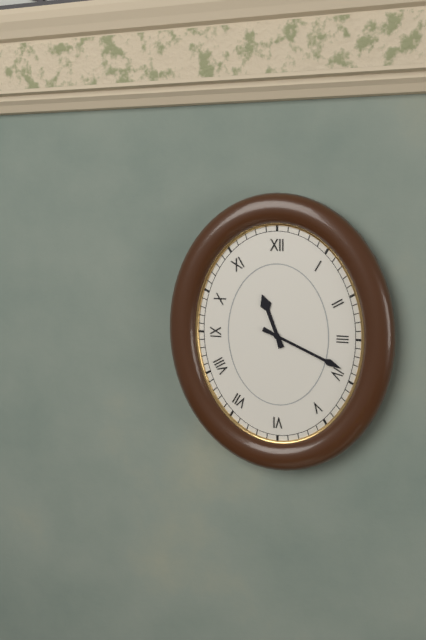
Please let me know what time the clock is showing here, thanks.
11:19
